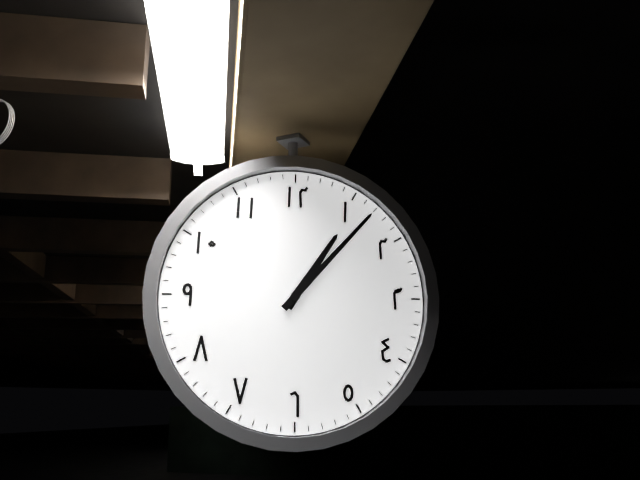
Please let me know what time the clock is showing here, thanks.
1:07
